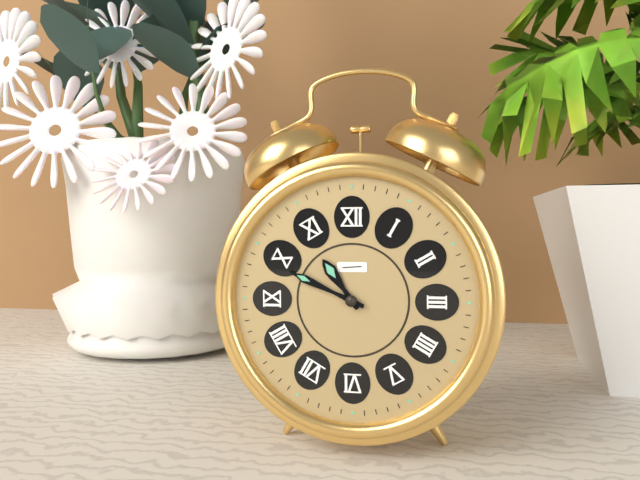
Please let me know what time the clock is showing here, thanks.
10:49
